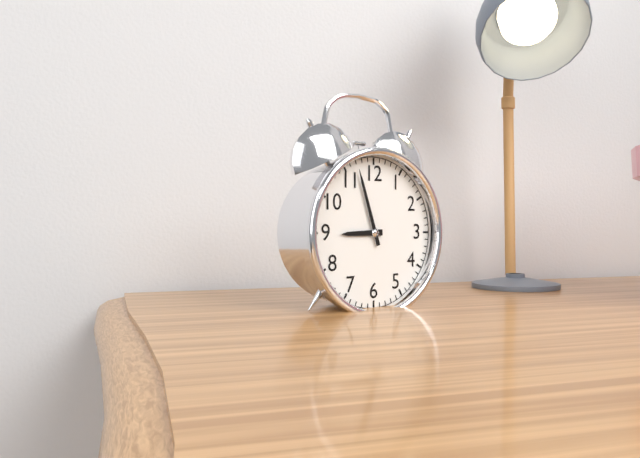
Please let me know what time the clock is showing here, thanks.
8:57
